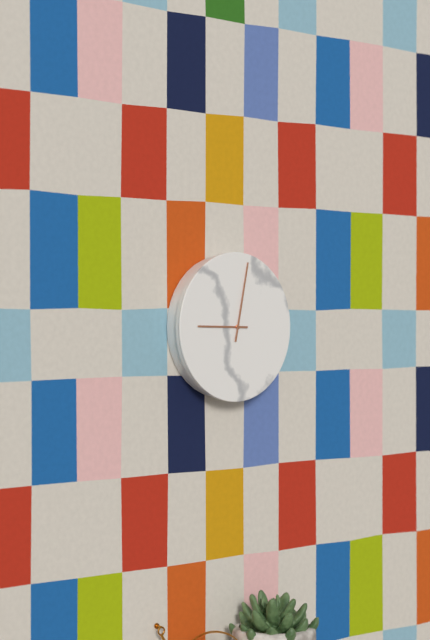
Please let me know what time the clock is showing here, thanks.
9:02
